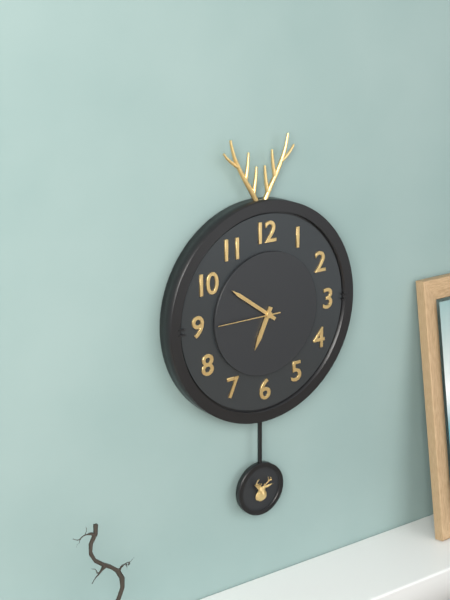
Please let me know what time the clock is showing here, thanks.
6:51
